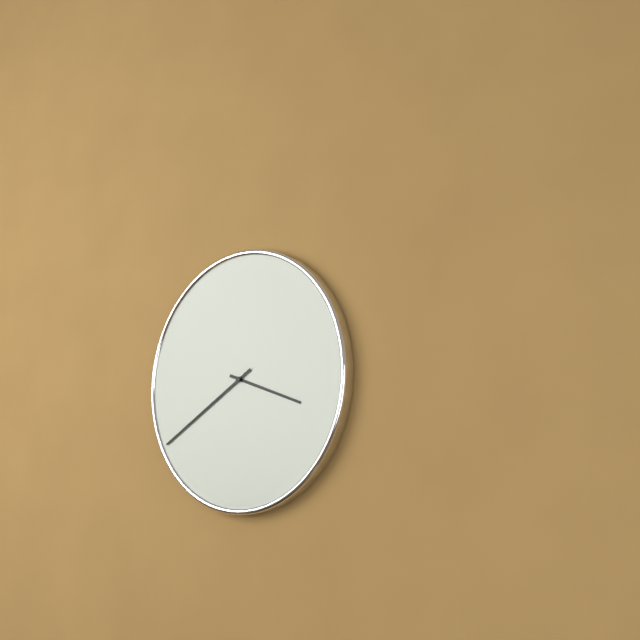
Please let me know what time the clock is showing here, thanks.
3:40
